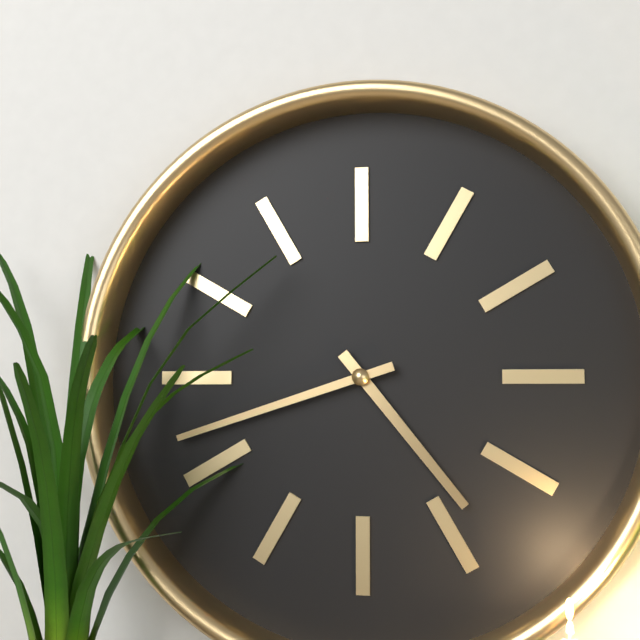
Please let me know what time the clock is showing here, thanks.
4:42
